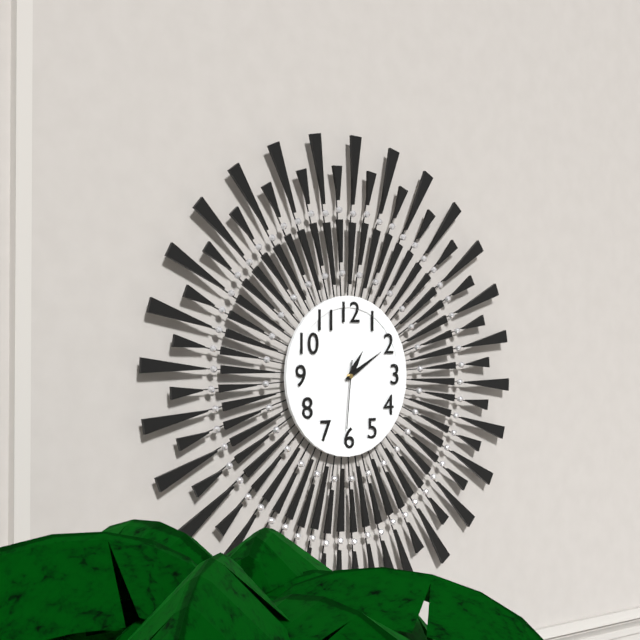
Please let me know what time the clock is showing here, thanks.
1:10:31
